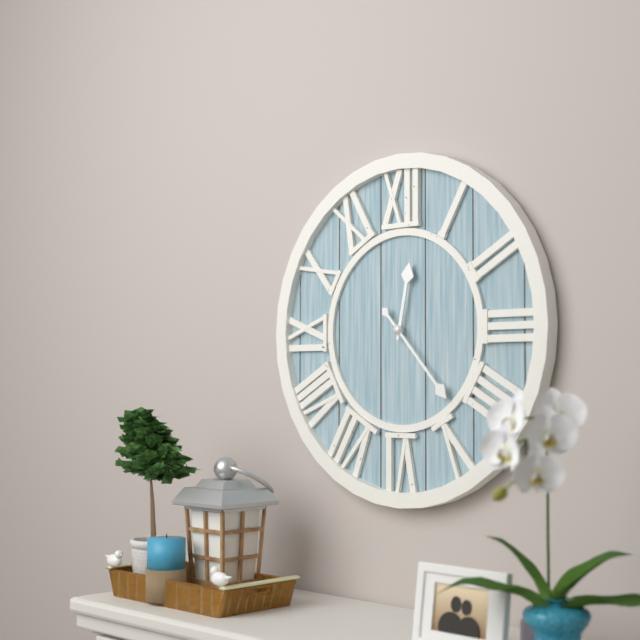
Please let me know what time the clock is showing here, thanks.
12:23
